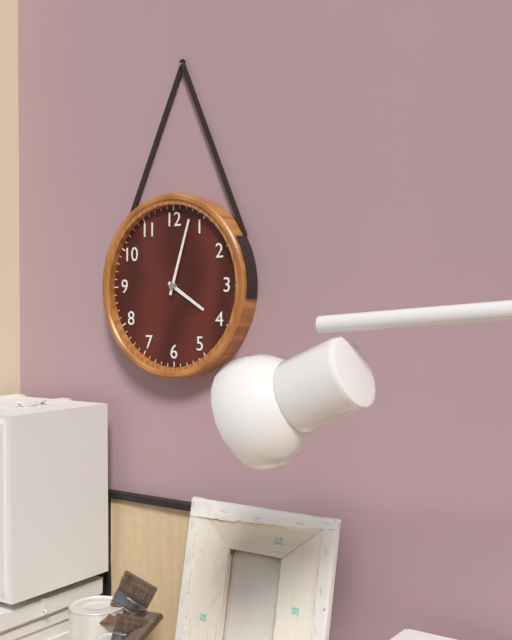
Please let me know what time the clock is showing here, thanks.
4:03
